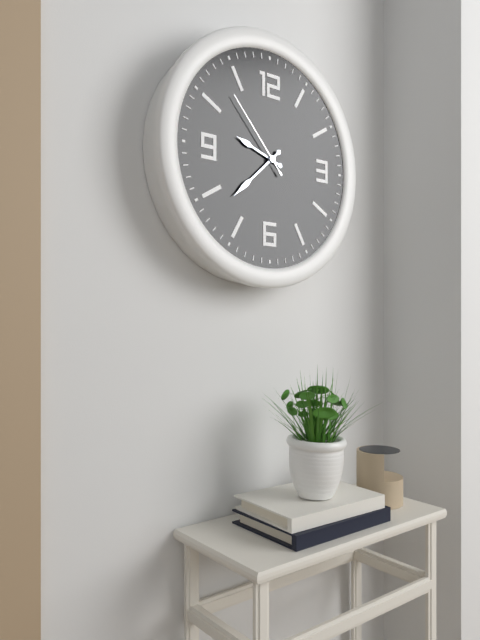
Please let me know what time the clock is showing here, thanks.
9:38:53
